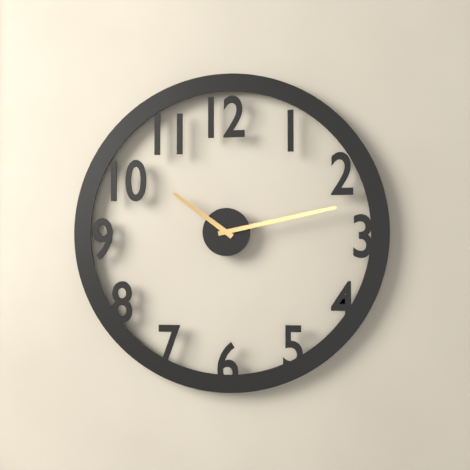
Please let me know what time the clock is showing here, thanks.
10:13
